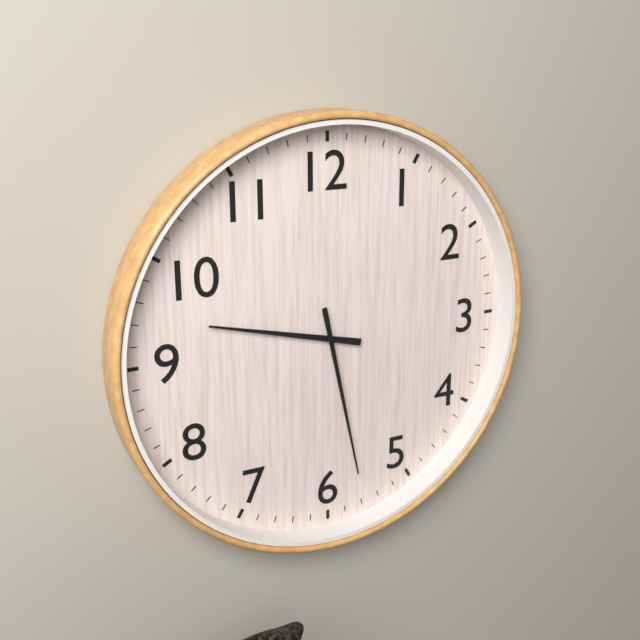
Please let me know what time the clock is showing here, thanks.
9:28
